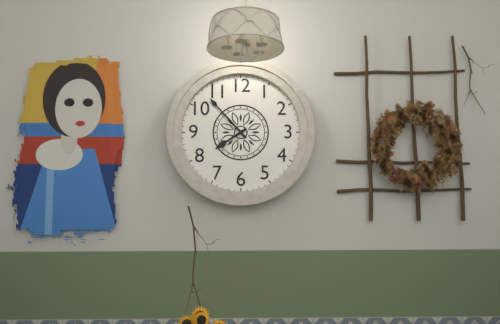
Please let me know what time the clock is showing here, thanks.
7:53
